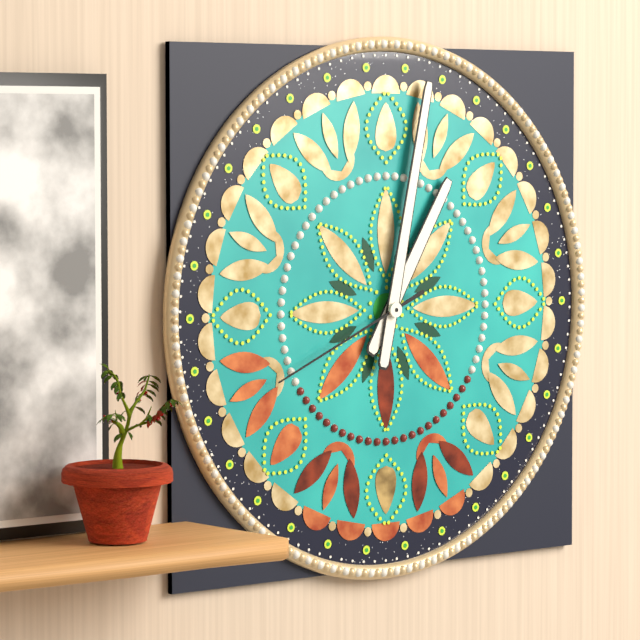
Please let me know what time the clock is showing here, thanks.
1:02:41
